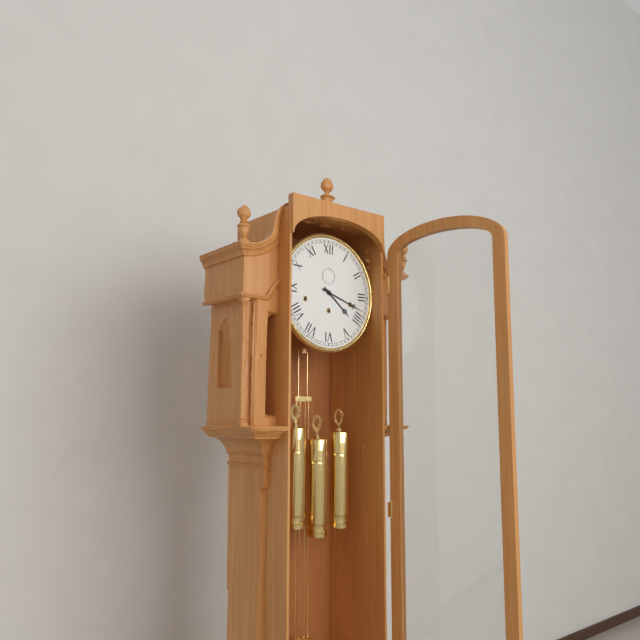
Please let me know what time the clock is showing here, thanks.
4:18
